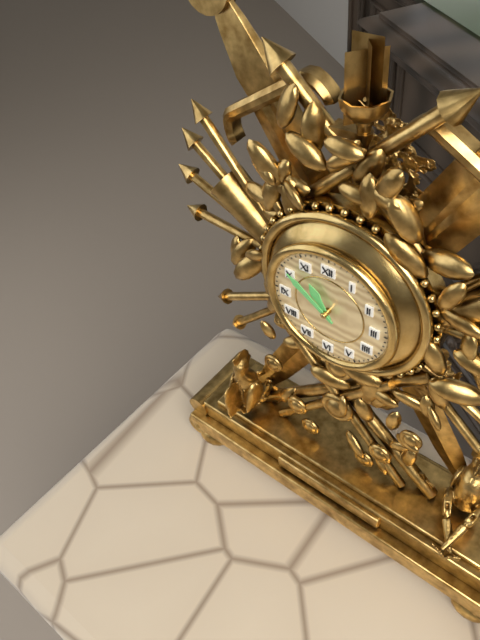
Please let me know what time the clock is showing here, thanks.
10:51
